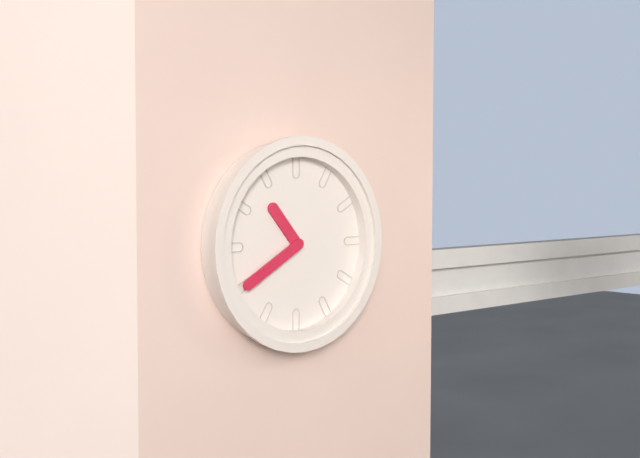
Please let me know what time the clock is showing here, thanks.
10:40
